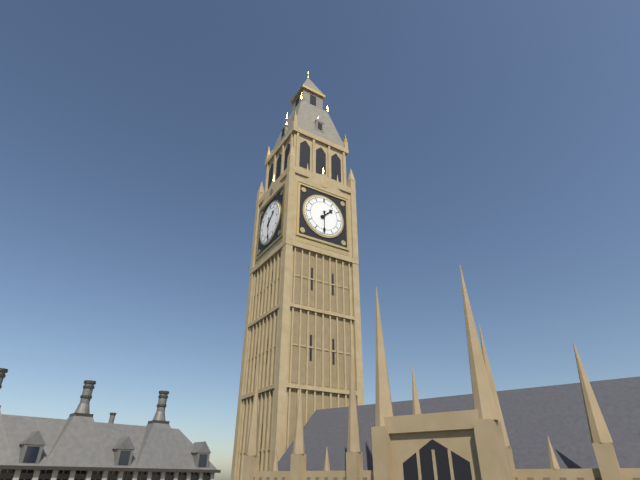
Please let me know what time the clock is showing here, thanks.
1:30
